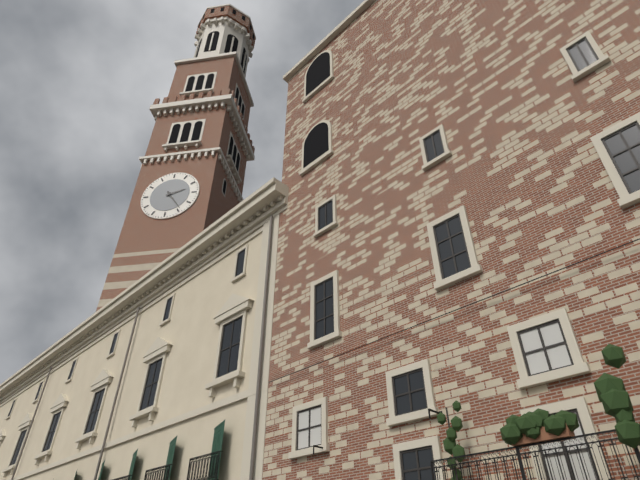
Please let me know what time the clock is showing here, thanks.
2:24
